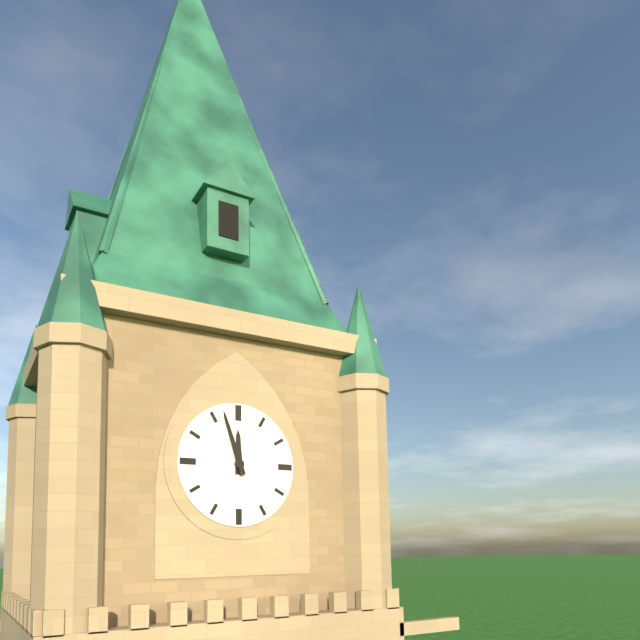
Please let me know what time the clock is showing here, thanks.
11:57
